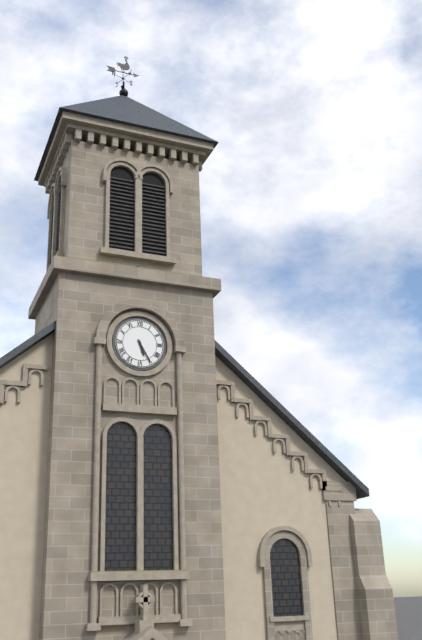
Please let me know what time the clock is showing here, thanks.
5:25
